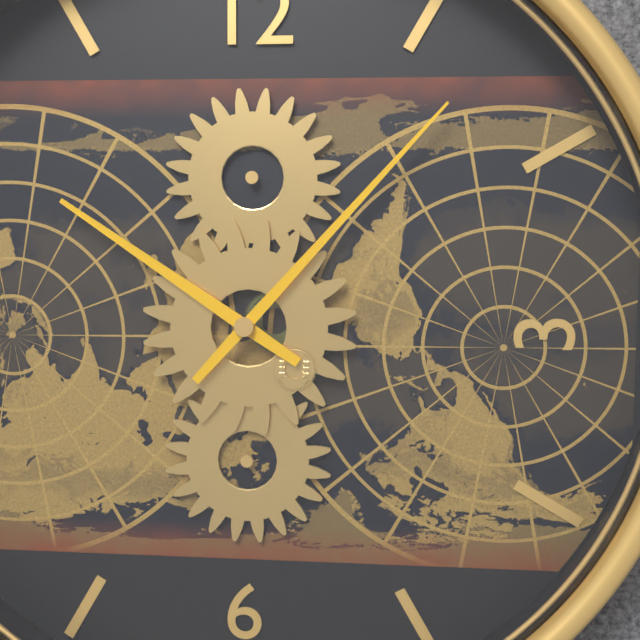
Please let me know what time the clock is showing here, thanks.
10:07
